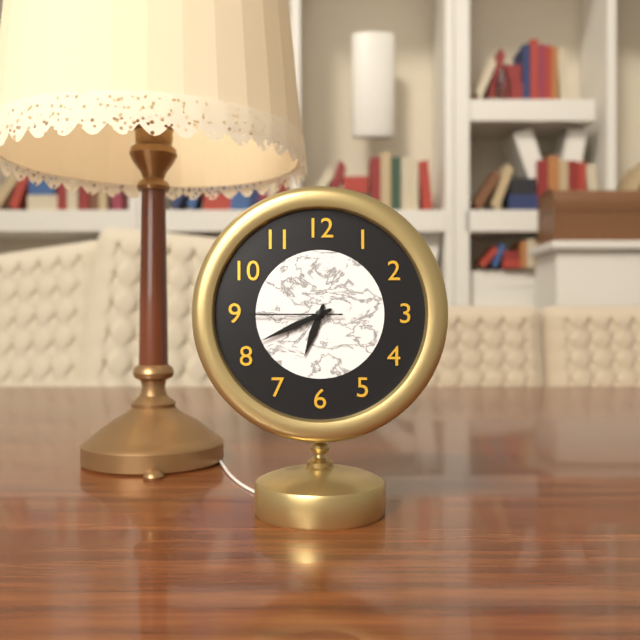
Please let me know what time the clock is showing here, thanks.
6:41:45
